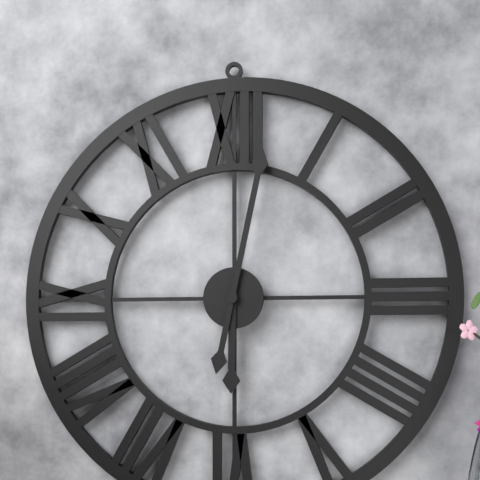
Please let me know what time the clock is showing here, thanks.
6:02
